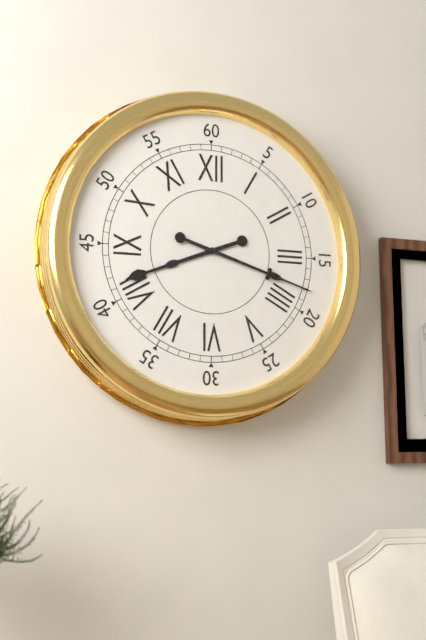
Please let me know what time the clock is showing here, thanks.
8:18
